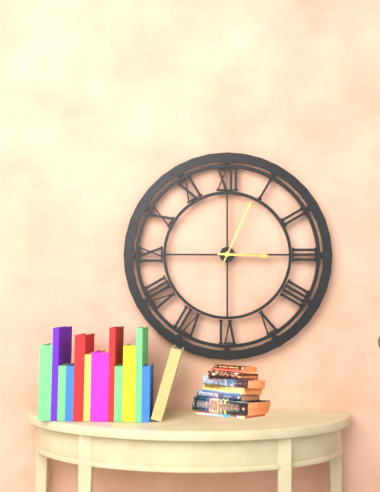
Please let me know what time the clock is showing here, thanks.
3:04
